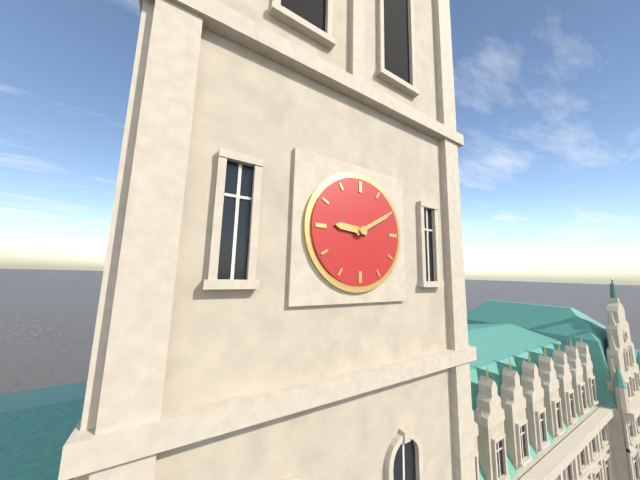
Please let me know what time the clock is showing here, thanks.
9:10
